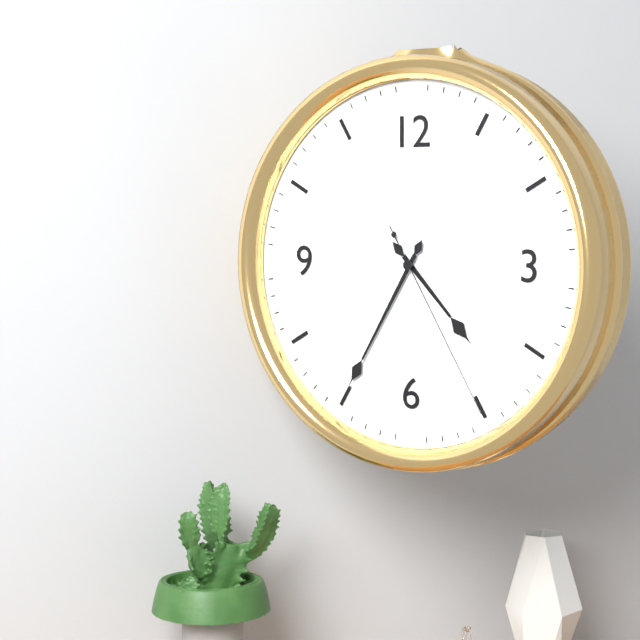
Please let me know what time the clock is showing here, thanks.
4:35:25
